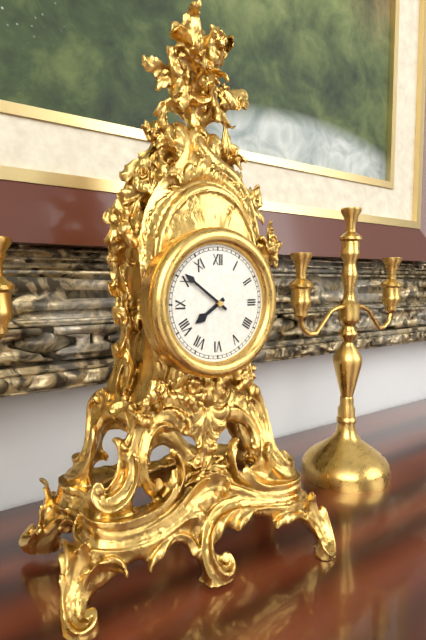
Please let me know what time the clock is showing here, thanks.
7:51
